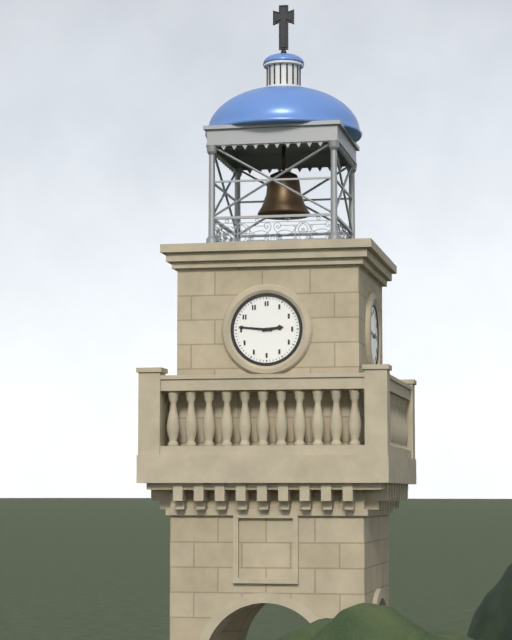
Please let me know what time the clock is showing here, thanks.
2:46
